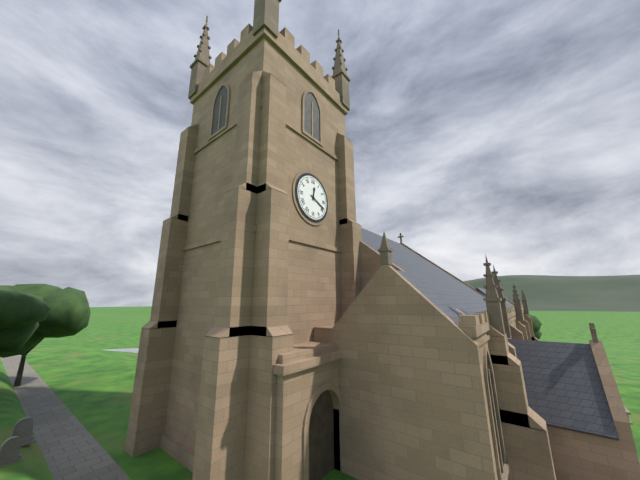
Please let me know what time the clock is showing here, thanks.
12:19
